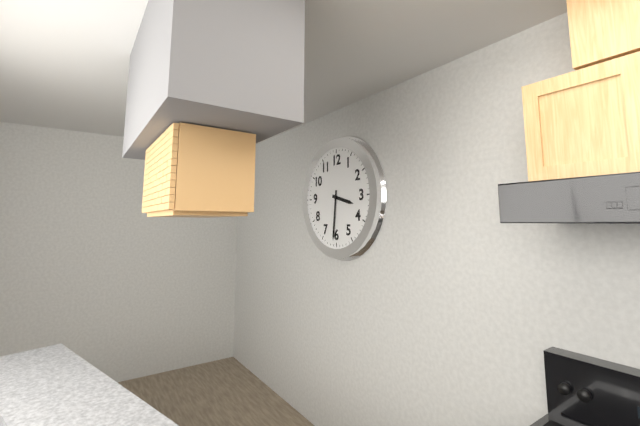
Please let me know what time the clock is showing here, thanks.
3:31
